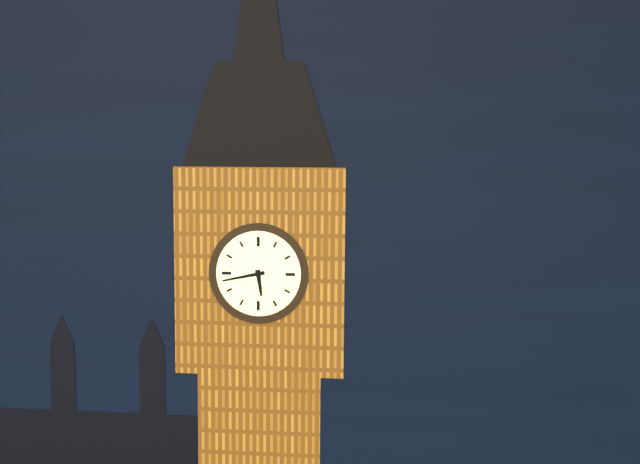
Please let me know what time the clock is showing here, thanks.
5:43
